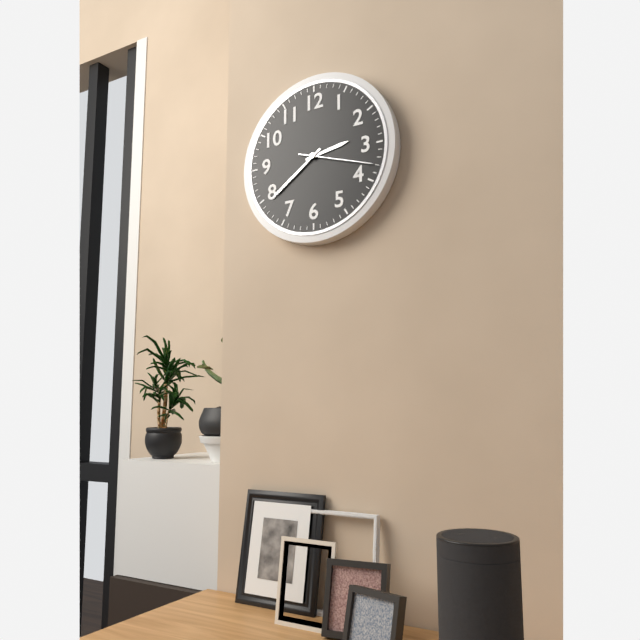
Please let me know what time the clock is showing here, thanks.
2:39:18
